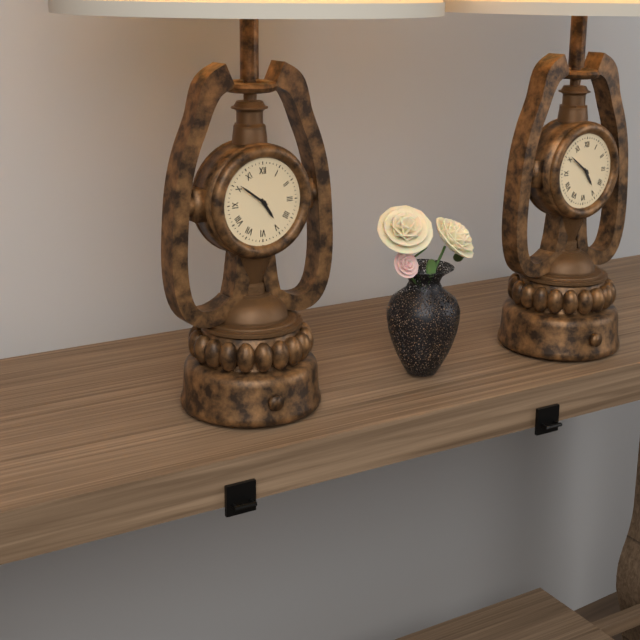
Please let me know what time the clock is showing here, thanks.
4:51
